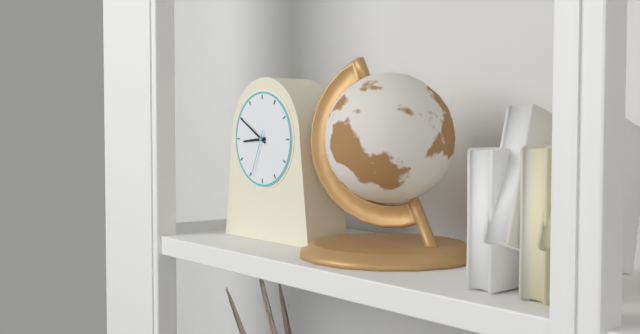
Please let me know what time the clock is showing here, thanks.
8:50
